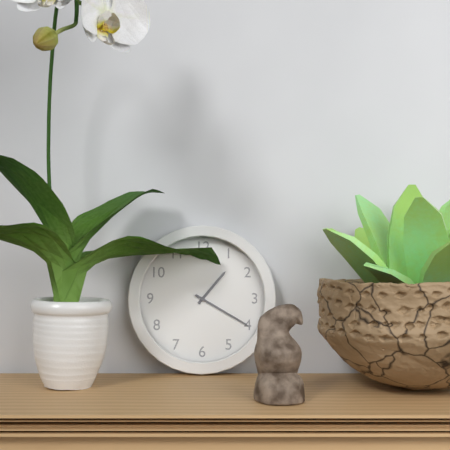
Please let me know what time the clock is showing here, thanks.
1:20
